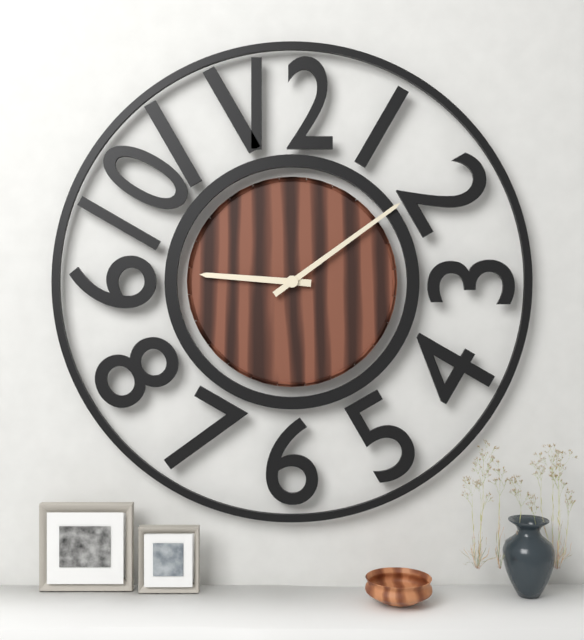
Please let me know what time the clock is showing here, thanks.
9:09
